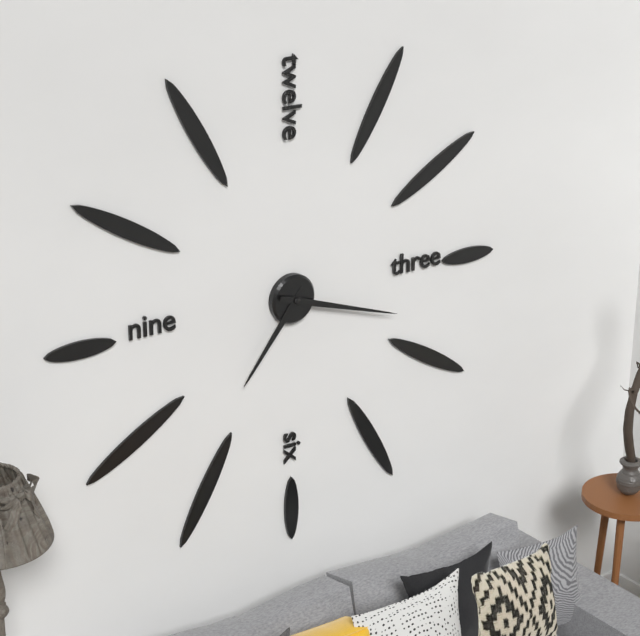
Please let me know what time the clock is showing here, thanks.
7:18
